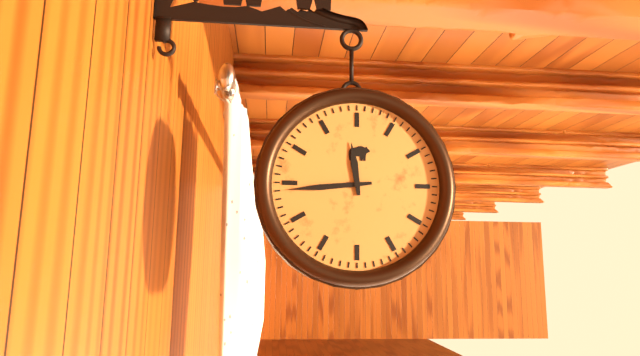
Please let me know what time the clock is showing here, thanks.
11:44
